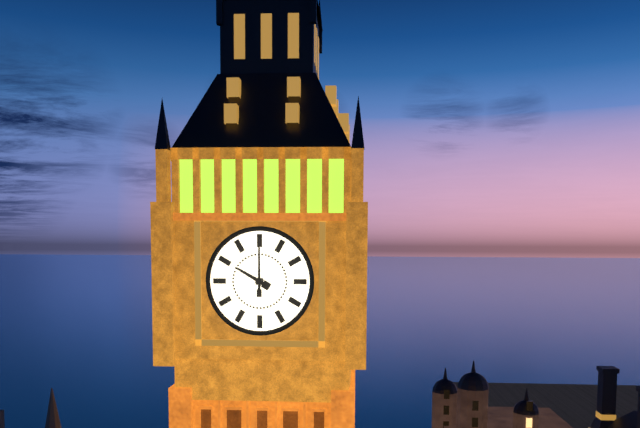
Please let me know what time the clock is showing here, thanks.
10:00
